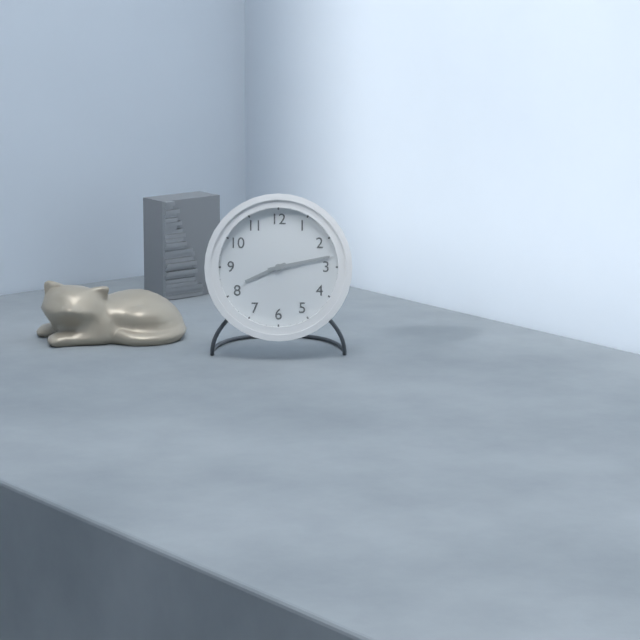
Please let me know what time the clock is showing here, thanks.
8:13
